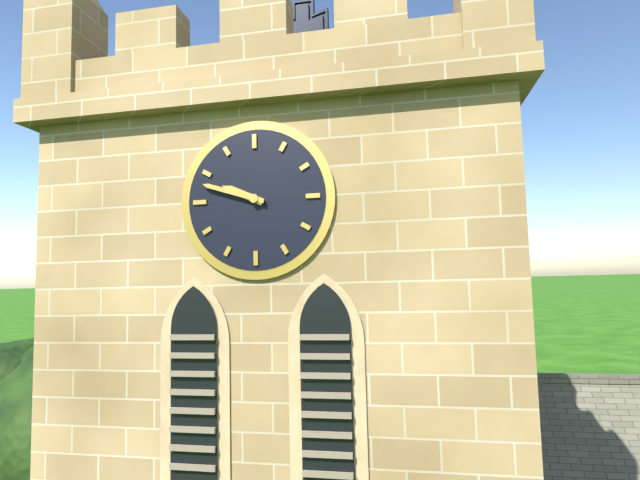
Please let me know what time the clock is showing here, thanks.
9:48
